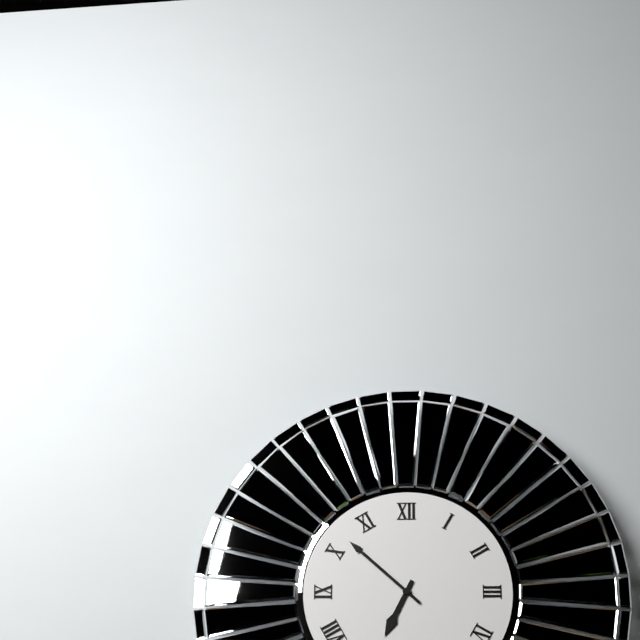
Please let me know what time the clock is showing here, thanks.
6:52
